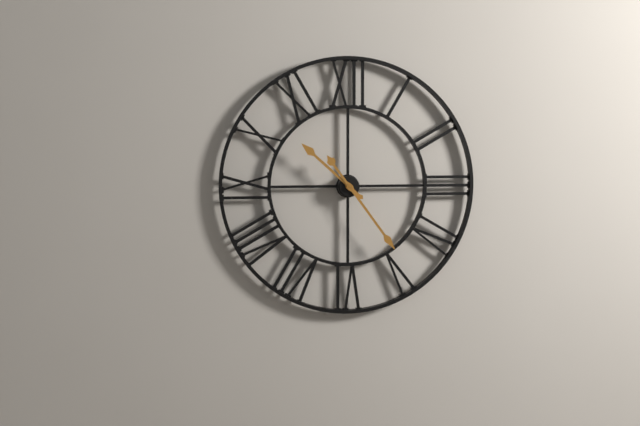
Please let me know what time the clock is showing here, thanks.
10:24
